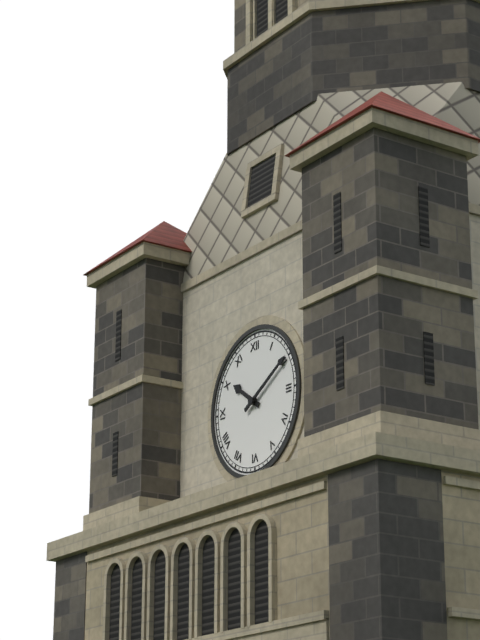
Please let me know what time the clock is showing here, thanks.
10:10
